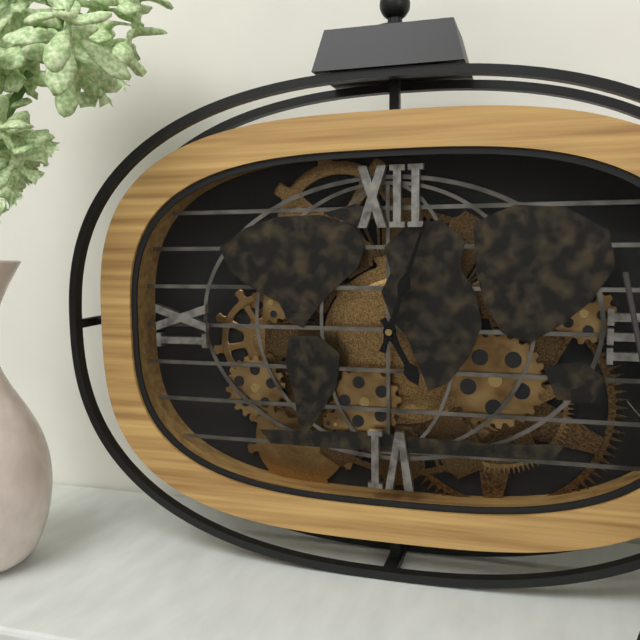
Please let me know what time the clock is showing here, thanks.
5:03
